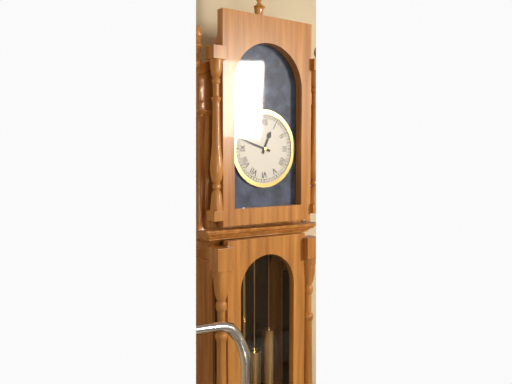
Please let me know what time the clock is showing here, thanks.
12:48
